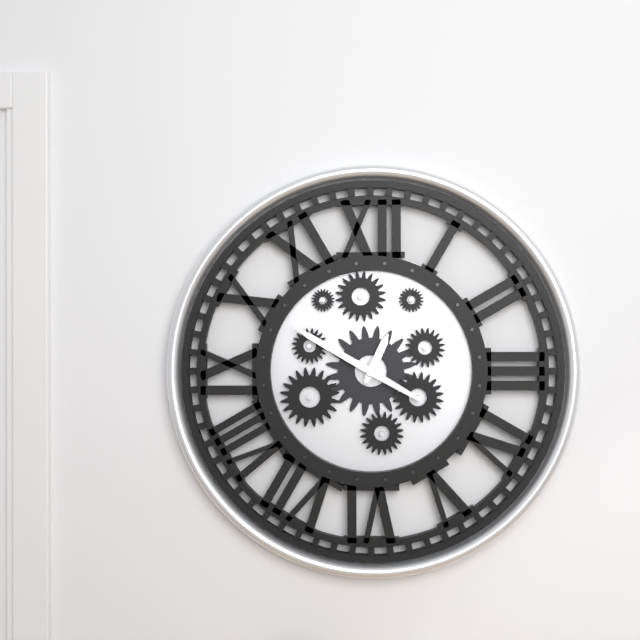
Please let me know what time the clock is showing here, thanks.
12:50
